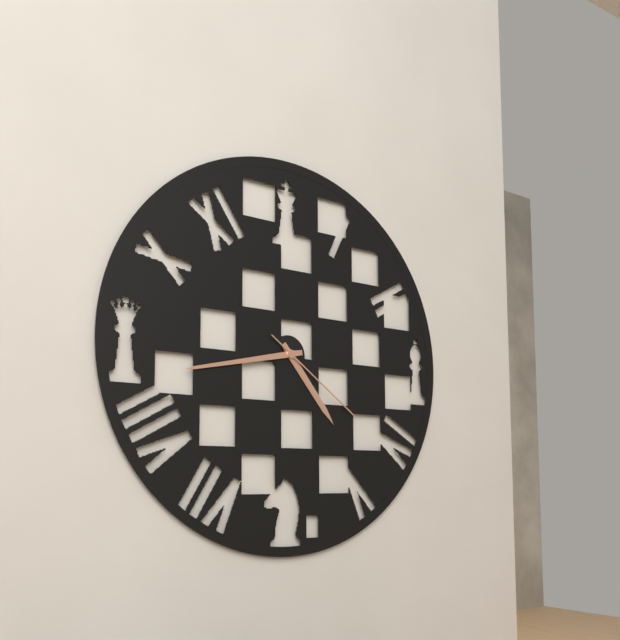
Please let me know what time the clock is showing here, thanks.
4:43:21
